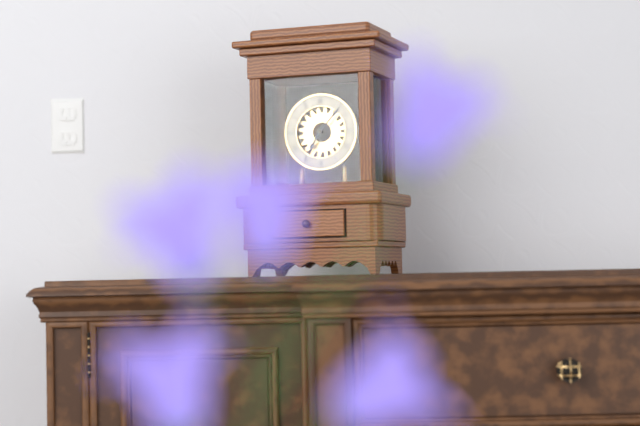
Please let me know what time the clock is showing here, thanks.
7:07
